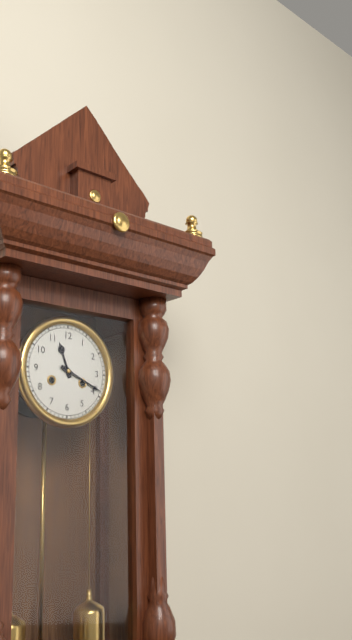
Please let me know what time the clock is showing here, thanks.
11:19
